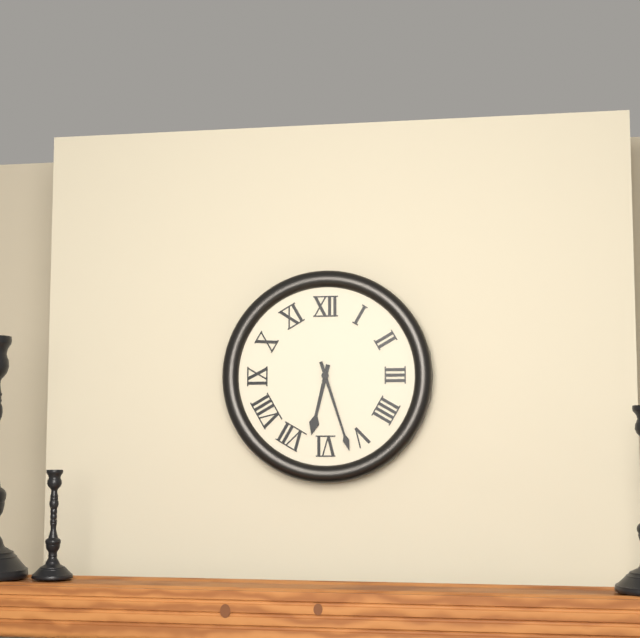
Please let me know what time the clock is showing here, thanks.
6:27
